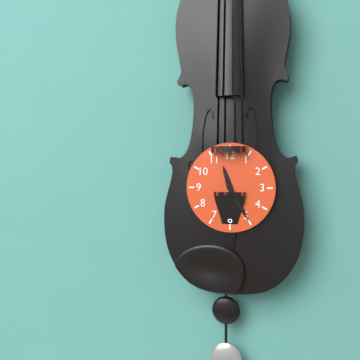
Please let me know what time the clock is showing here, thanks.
11:25
